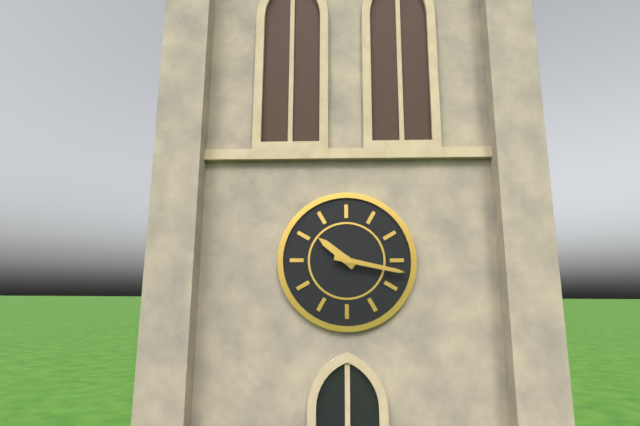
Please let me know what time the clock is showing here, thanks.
10:17
